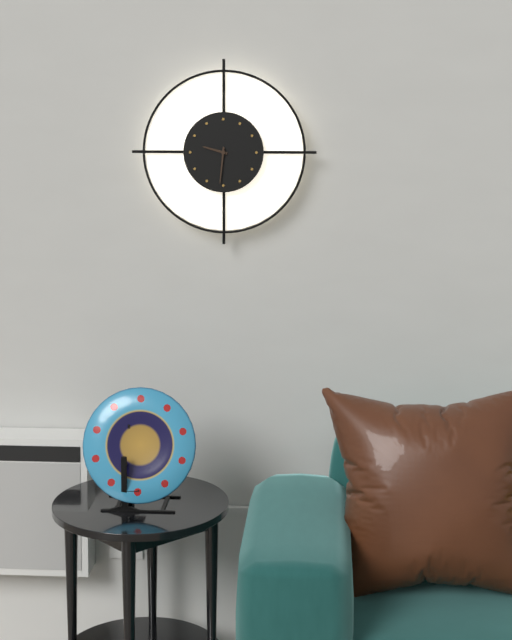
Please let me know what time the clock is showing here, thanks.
9:31
